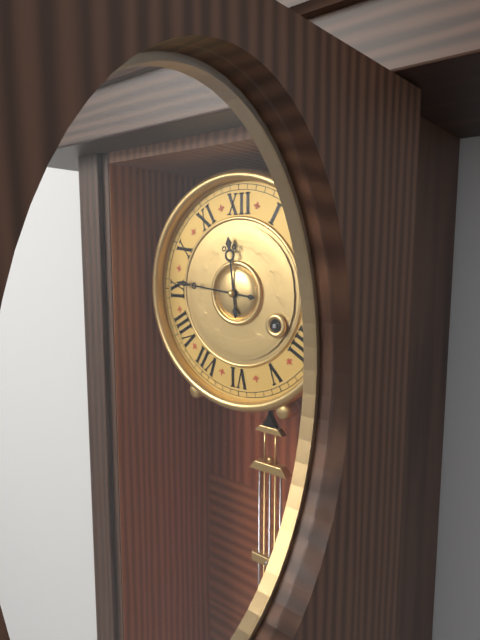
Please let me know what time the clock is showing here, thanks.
11:46
